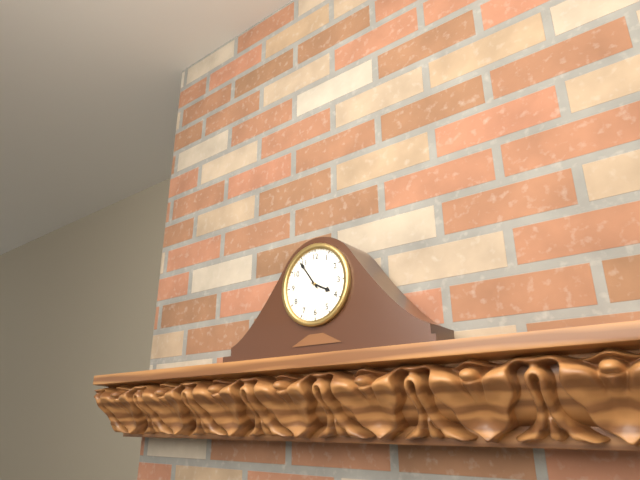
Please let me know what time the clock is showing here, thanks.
3:54
